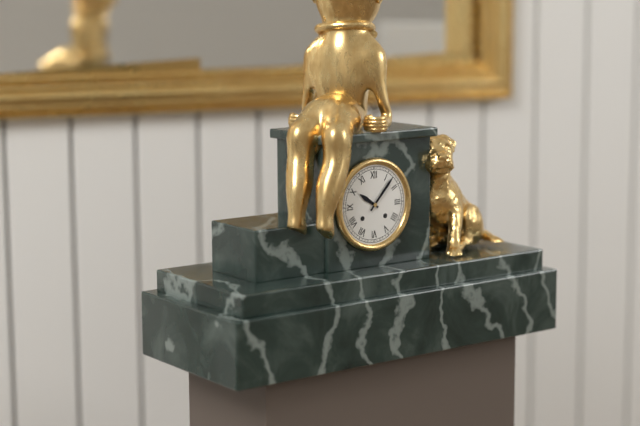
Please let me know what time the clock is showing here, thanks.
10:07
